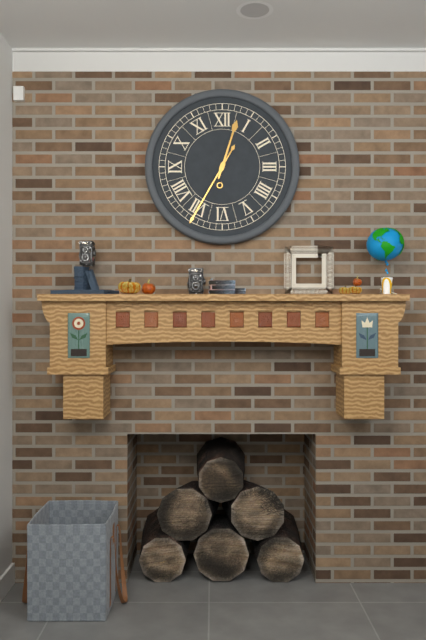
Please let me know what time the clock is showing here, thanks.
12:35
